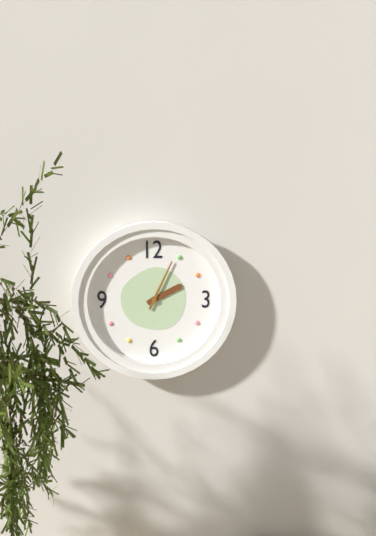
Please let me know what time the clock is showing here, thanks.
2:04
